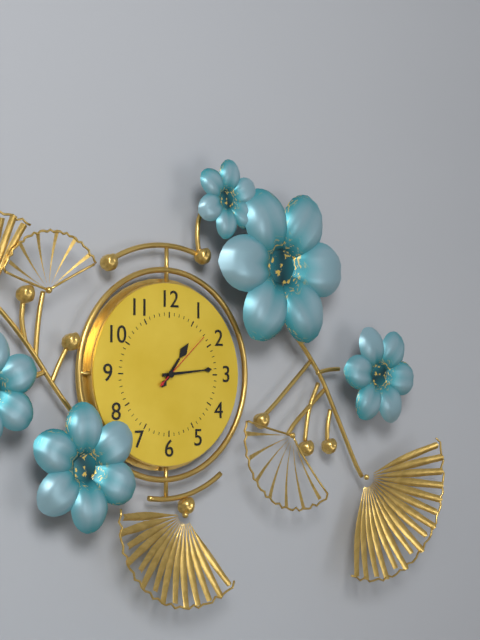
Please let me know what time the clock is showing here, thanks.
1:14:08
